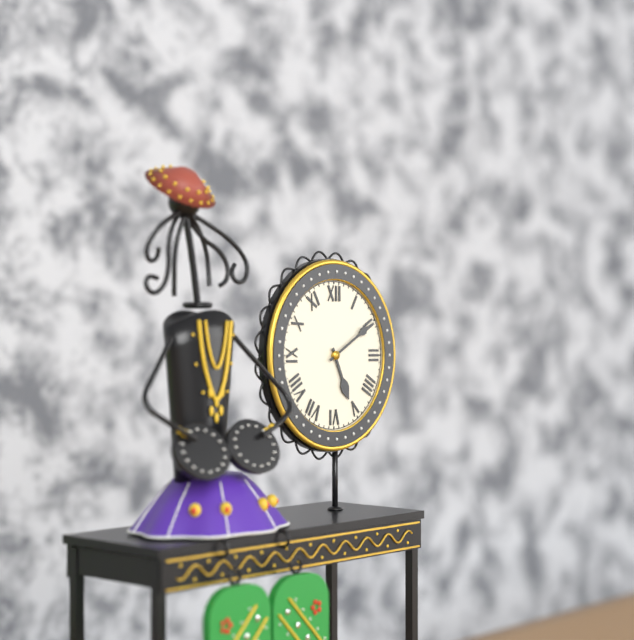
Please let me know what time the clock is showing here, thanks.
5:10
